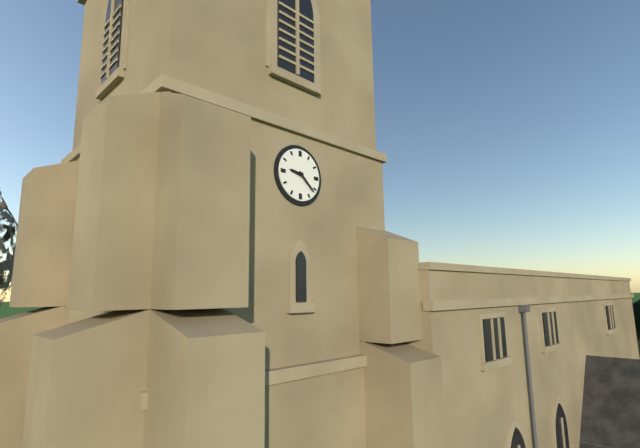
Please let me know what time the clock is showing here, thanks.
9:22
